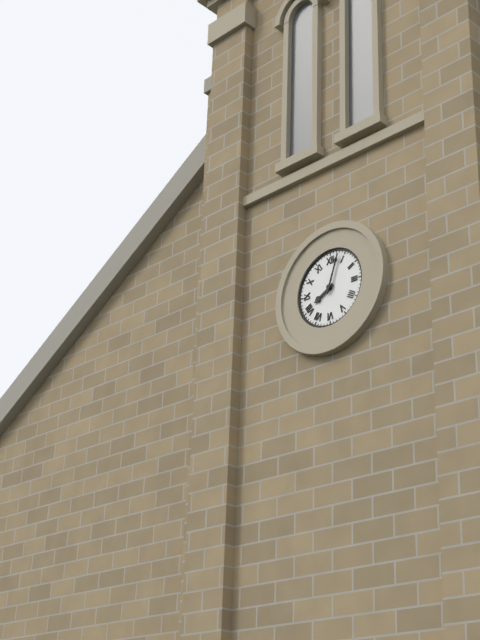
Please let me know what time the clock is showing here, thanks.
8:03
